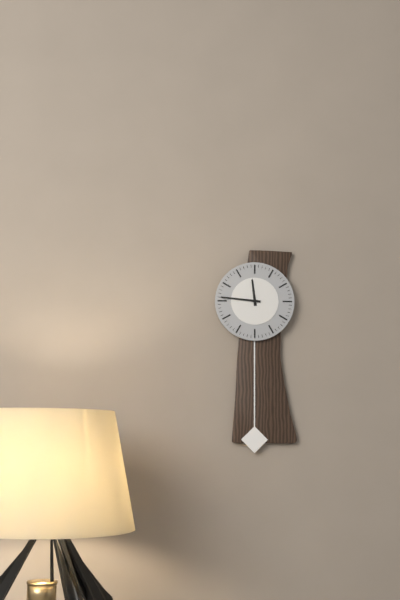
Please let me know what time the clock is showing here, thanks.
11:46
